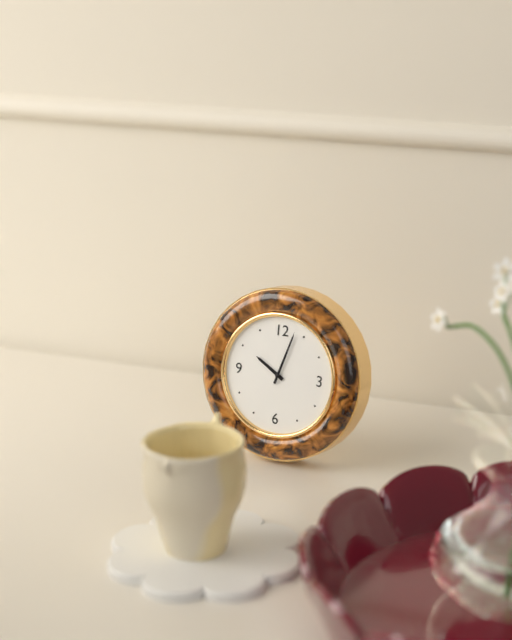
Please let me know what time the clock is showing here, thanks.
10:03
